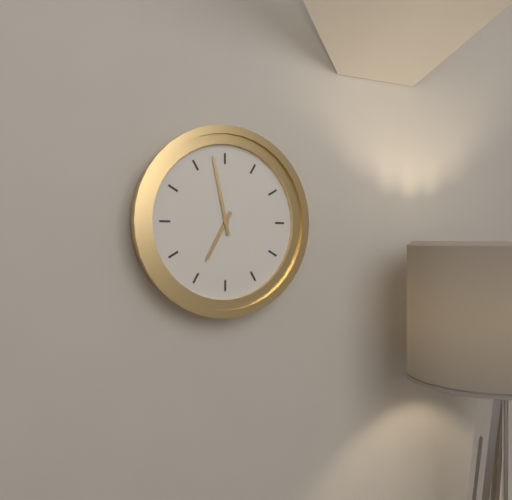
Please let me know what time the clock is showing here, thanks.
6:58
